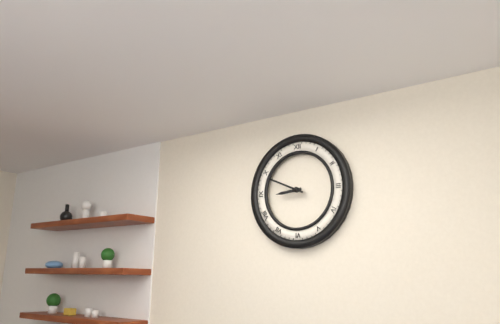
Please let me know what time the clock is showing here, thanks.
8:49
